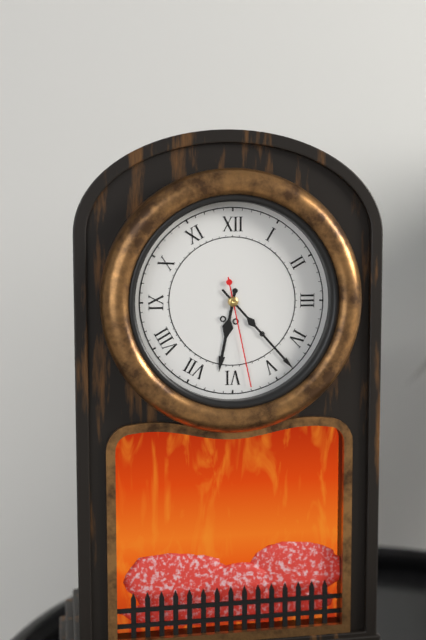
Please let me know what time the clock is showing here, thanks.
6:23:28
